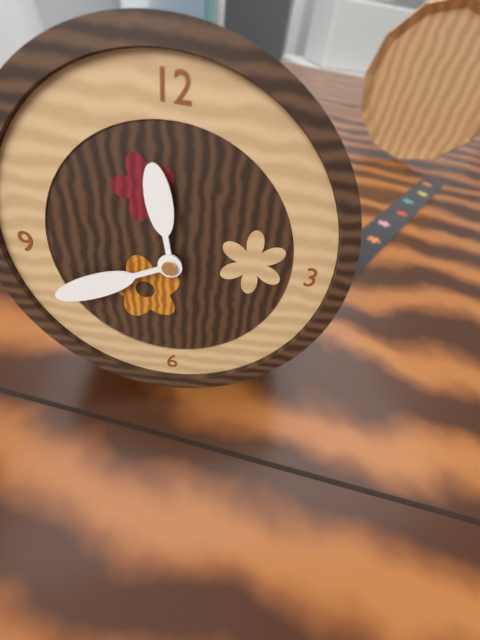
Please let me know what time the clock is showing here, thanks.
11:41
